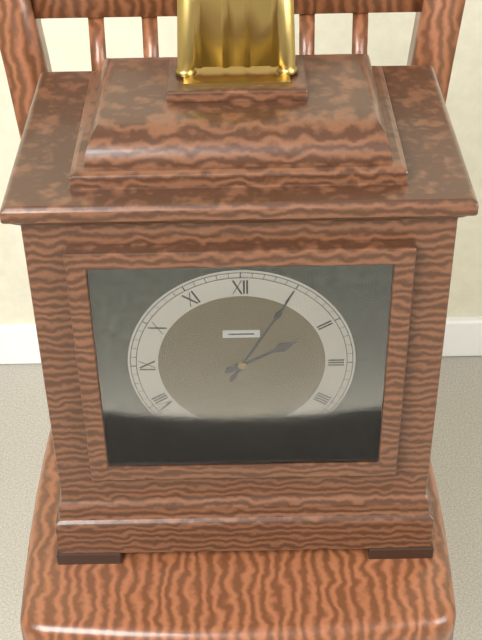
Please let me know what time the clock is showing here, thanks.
2:05
